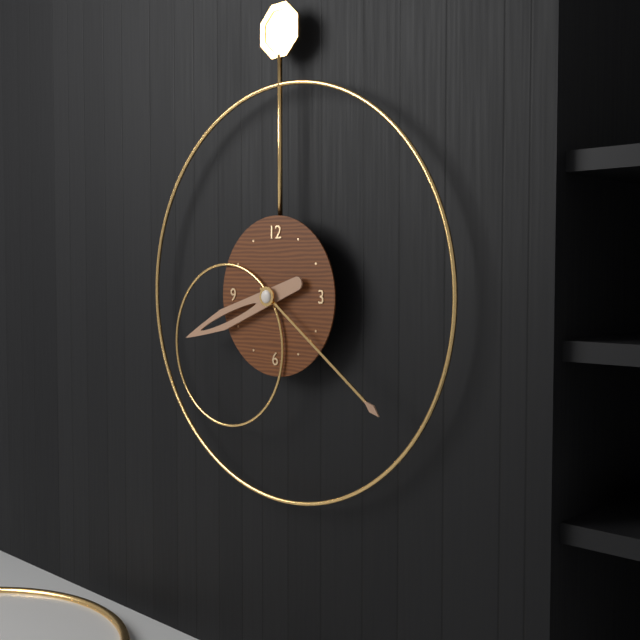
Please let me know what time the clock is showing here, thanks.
8:21
